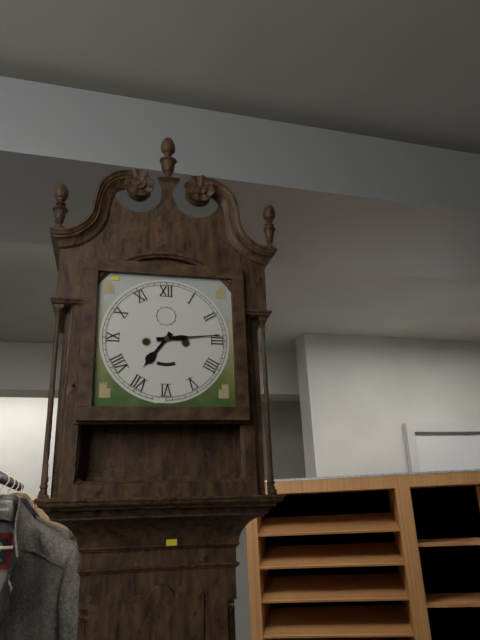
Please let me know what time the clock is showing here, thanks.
7:14
